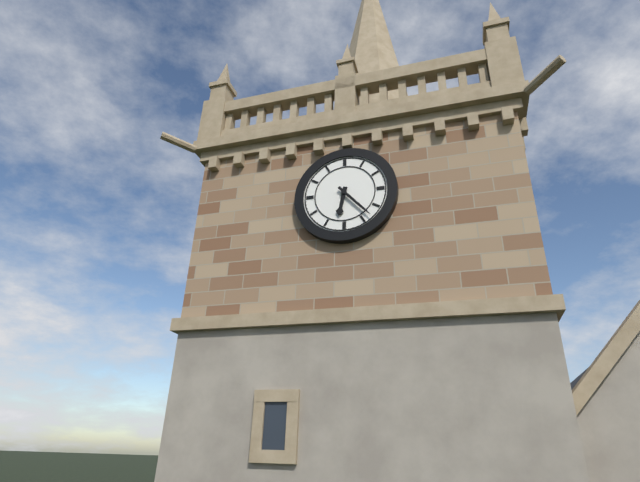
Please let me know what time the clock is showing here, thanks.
6:23
